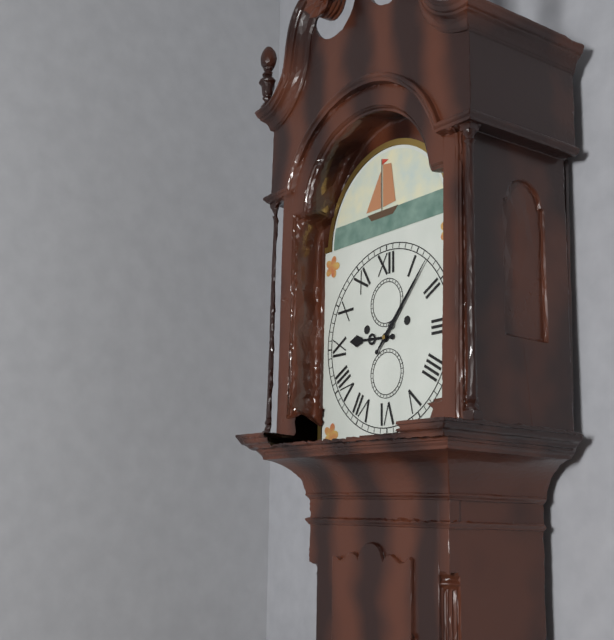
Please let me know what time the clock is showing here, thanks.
9:07
